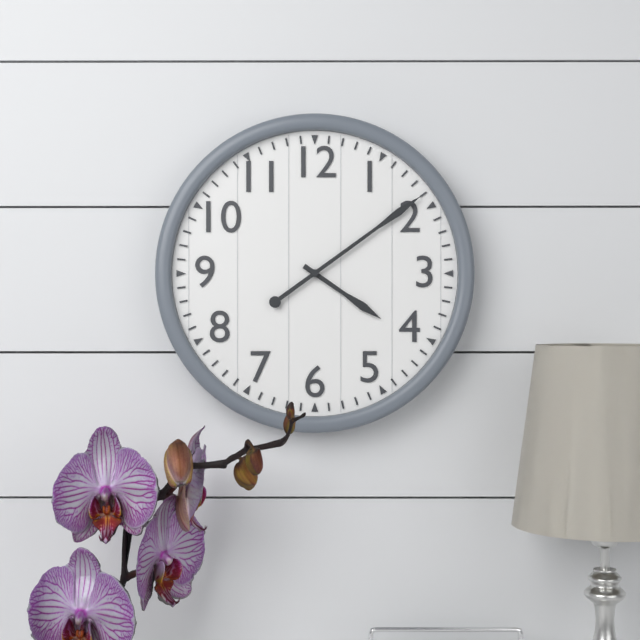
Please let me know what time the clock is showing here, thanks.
4:09
